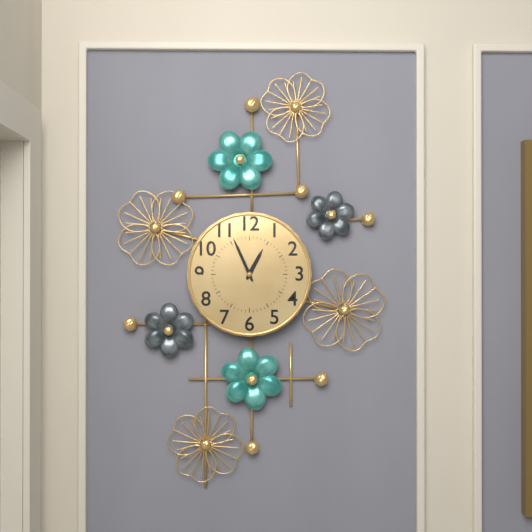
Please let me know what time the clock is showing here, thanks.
12:56
